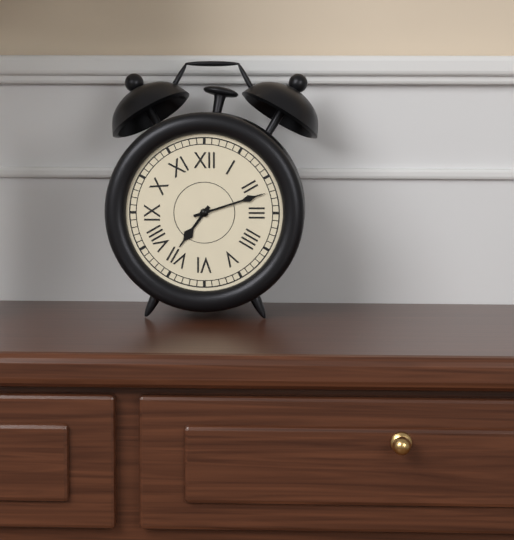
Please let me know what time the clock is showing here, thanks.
7:12
